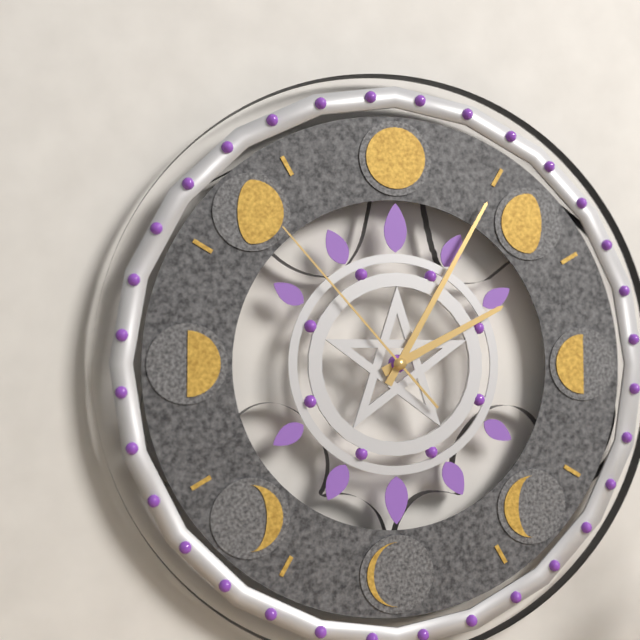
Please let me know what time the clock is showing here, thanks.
2:05:53
